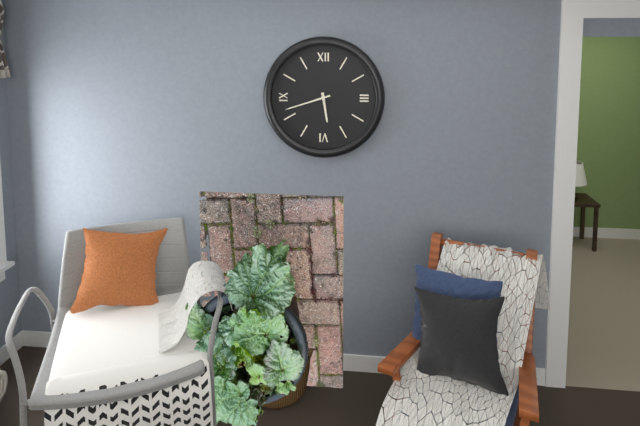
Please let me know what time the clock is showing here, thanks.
5:42
